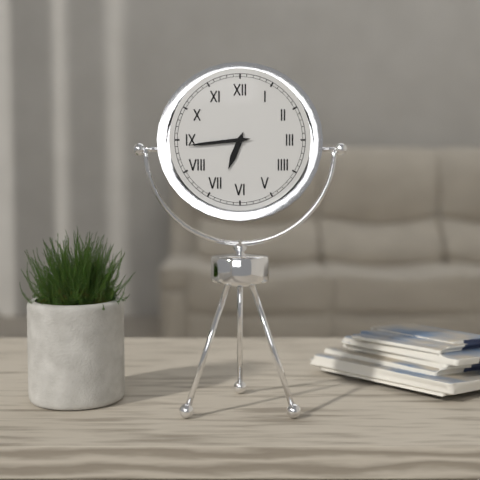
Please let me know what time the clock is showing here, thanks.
6:44
